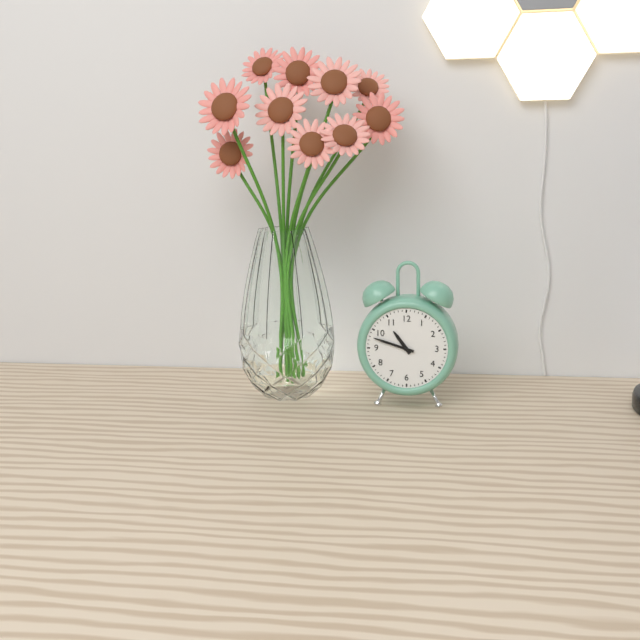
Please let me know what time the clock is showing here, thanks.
10:48
